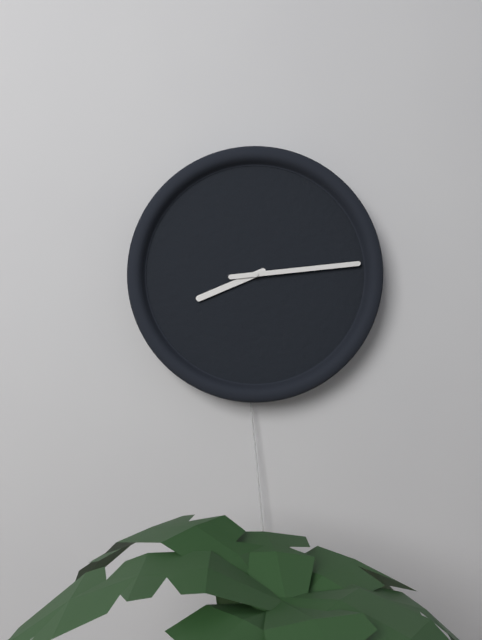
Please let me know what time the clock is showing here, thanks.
8:14
